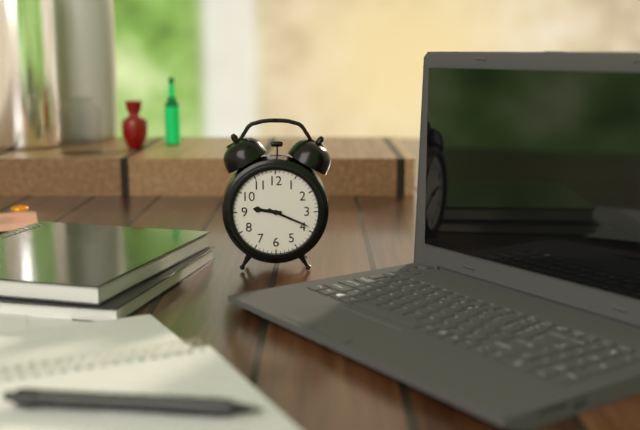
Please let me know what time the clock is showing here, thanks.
9:19
